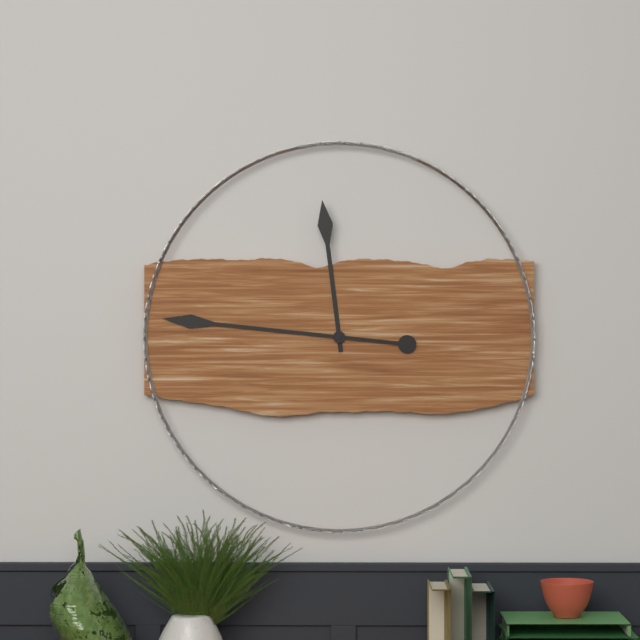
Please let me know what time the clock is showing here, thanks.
11:46
